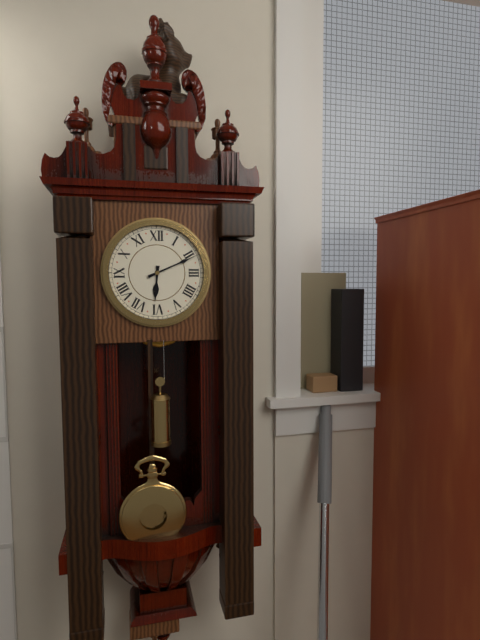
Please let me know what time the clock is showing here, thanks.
6:11
